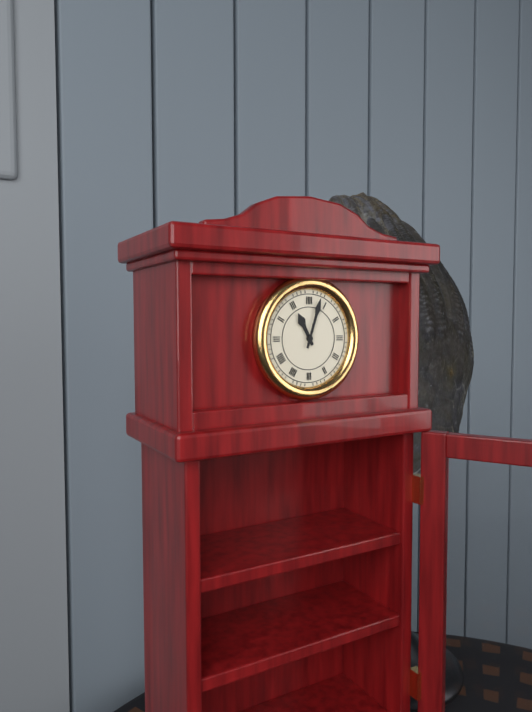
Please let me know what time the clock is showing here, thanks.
11:03
